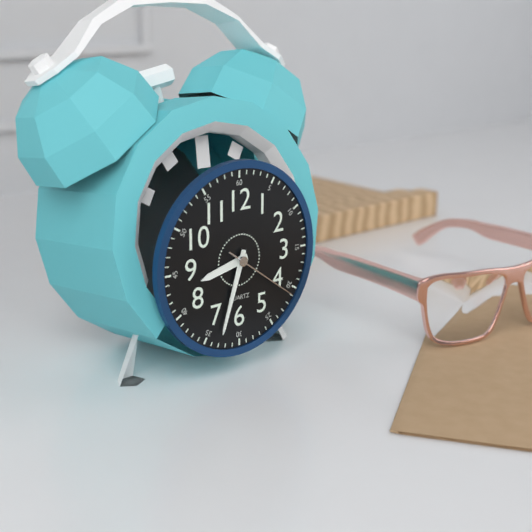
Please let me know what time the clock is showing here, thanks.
8:33:21
